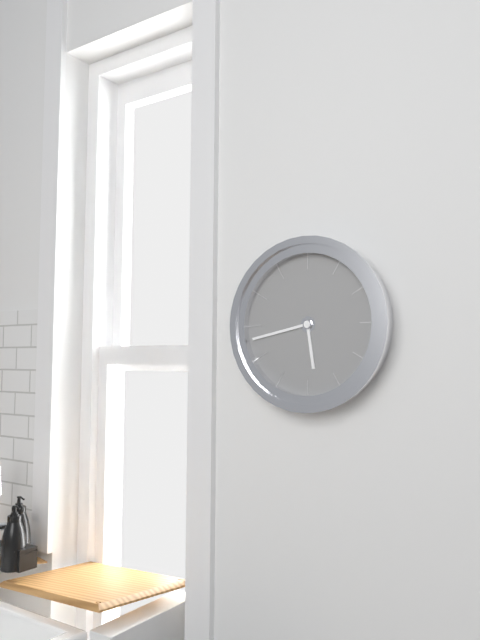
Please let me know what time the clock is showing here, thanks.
5:43
